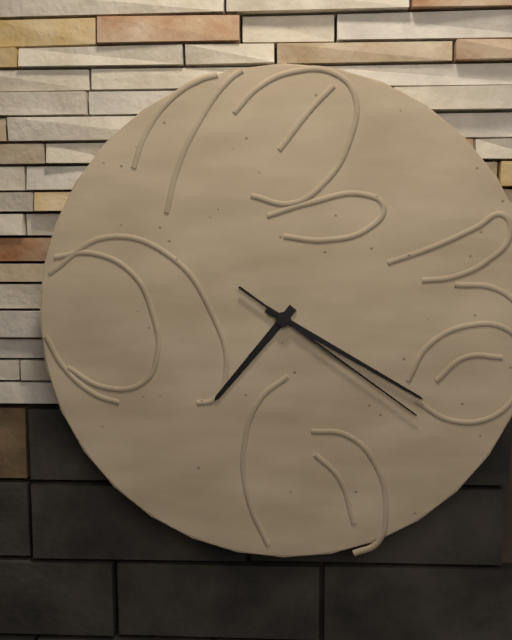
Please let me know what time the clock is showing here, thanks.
7:20:21
